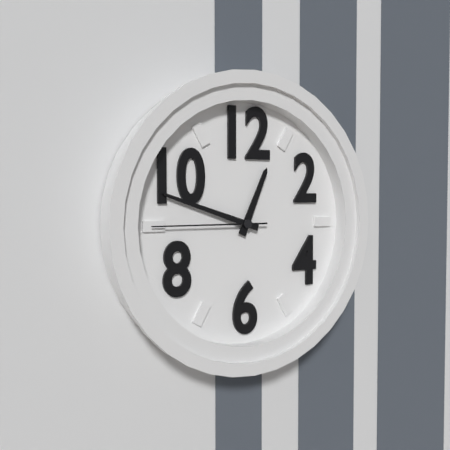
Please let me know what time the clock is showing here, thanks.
12:48:45
